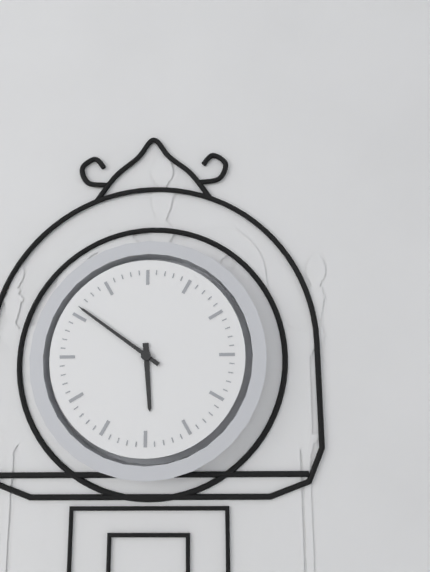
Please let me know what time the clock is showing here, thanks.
5:51
